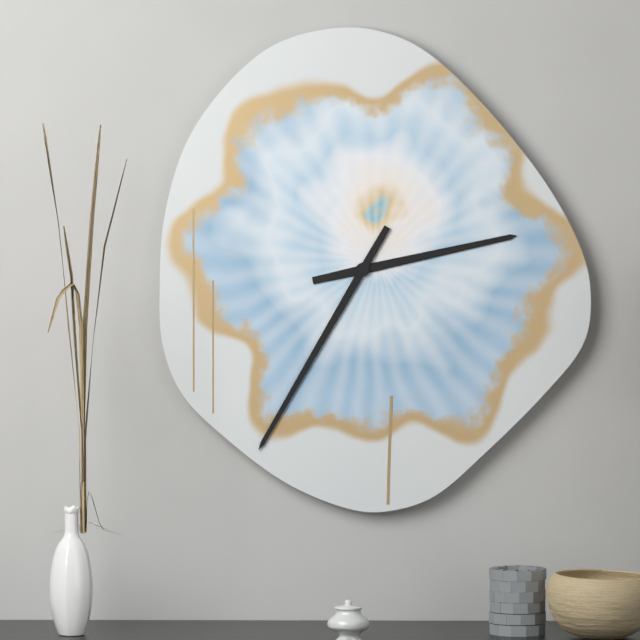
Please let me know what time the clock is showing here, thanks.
2:35
